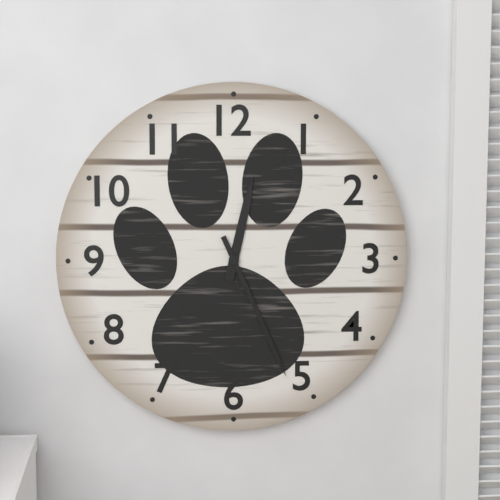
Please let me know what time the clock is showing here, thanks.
12:26
